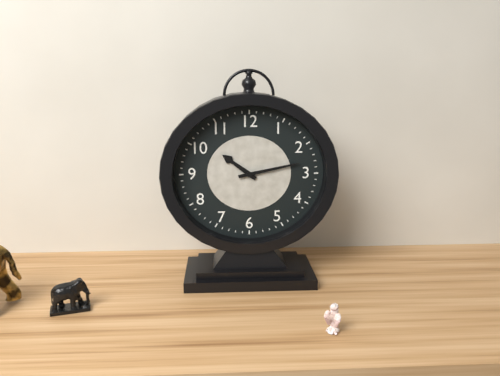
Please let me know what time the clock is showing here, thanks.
10:13
